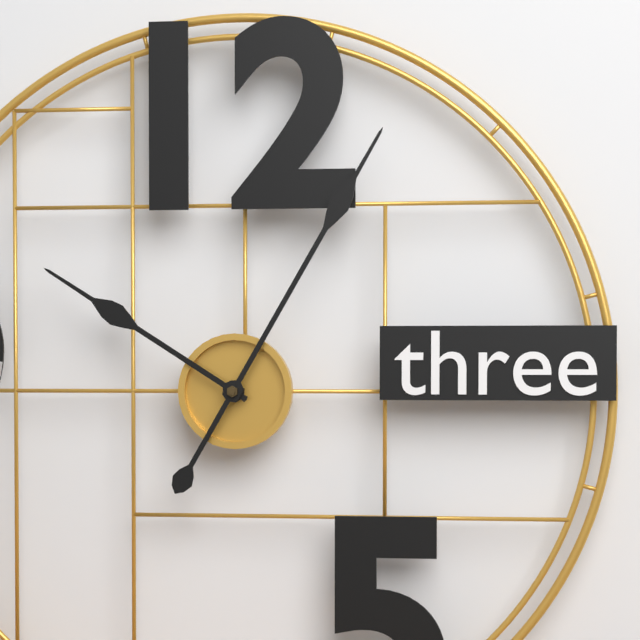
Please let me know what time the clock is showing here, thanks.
10:05
